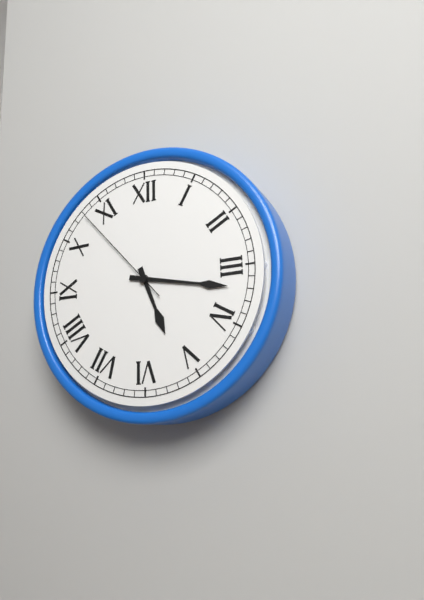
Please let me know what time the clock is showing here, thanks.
5:17:53
